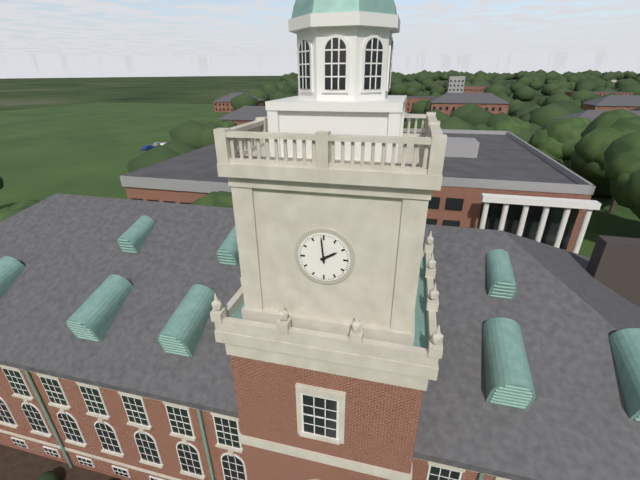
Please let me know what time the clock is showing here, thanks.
1:59
